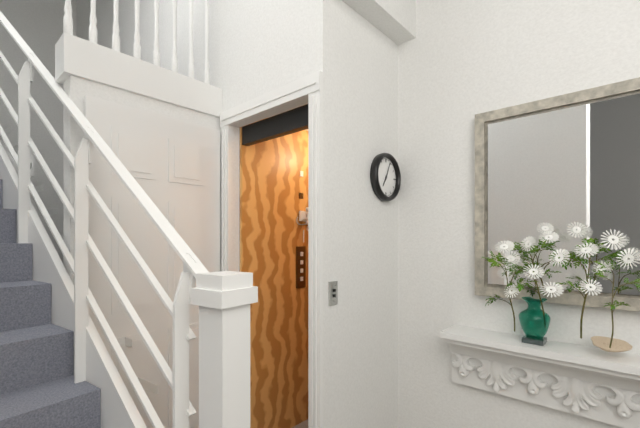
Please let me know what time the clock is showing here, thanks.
7:04
